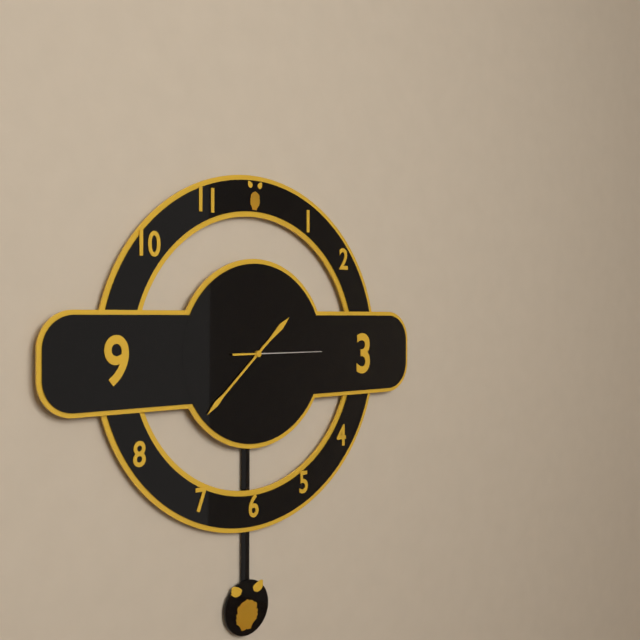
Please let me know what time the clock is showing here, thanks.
1:38:15
